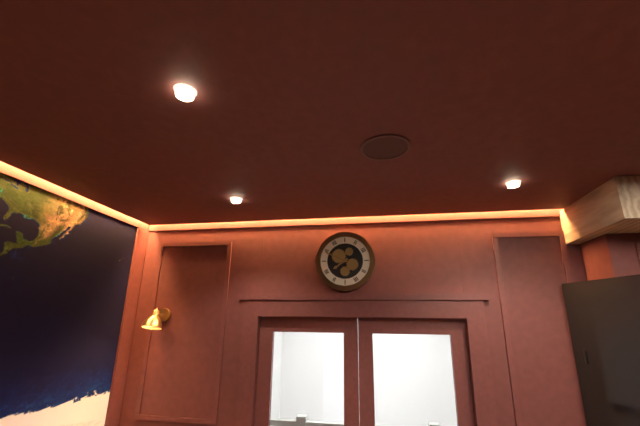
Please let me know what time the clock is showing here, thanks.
7:49
